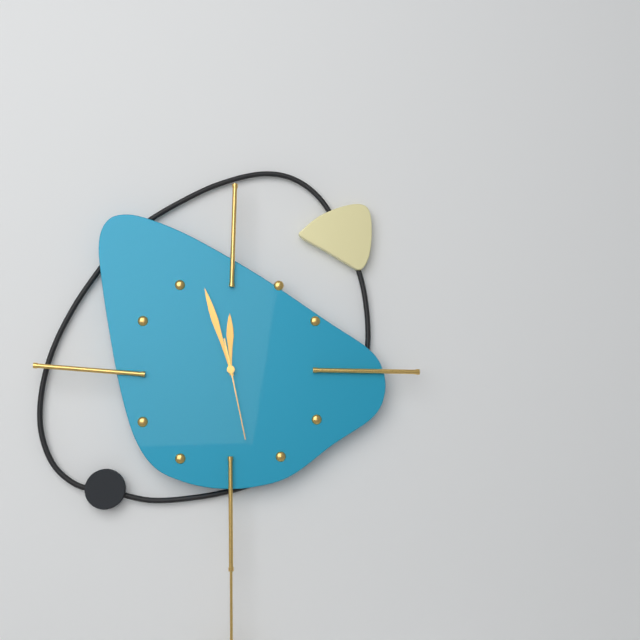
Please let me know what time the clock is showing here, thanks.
11:57:28
